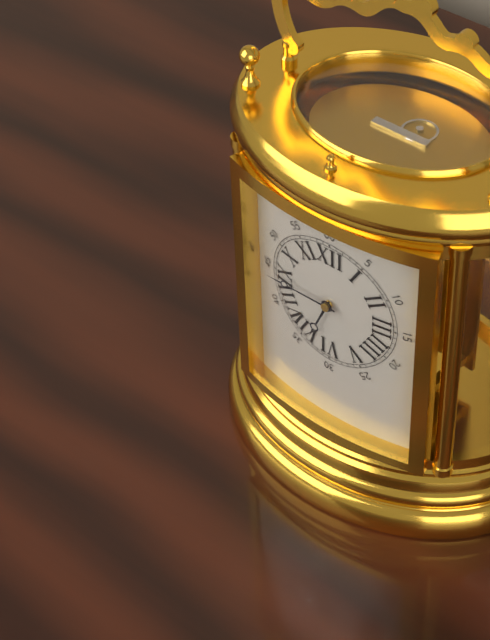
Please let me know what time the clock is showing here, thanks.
6:45
